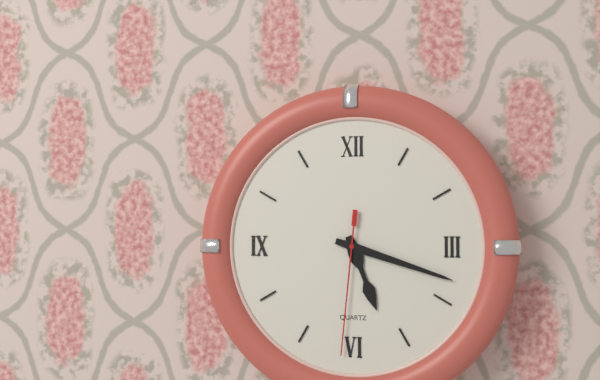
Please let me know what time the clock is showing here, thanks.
5:18:31
